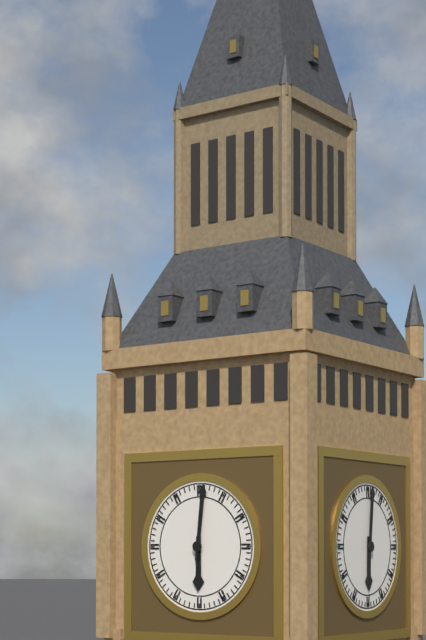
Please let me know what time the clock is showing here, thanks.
6:01
